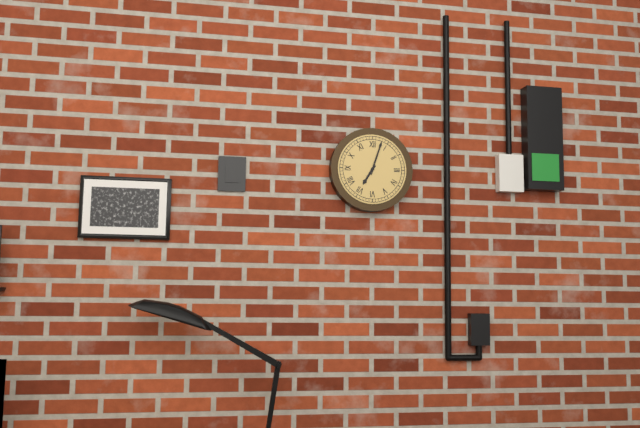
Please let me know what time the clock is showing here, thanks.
7:03
